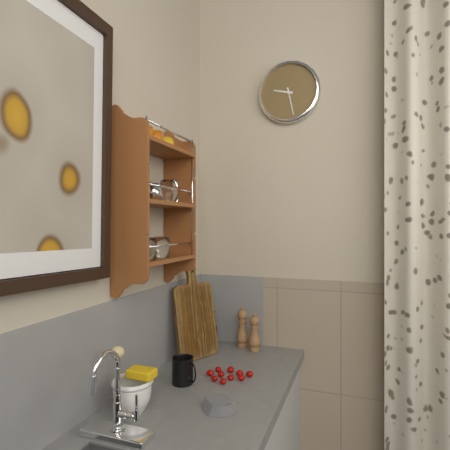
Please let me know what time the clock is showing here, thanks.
9:28
